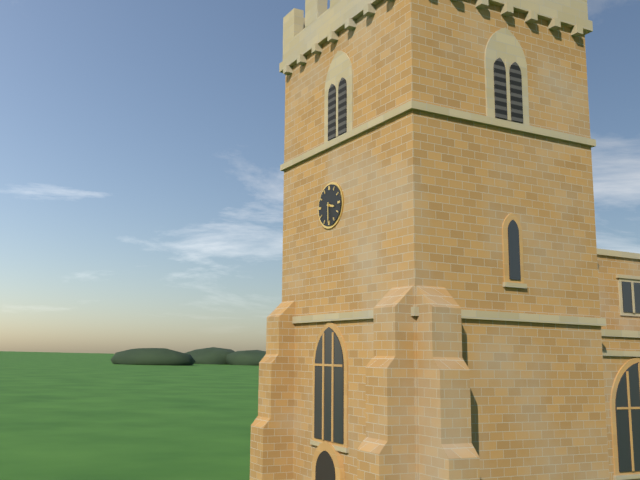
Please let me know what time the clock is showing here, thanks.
3:30
